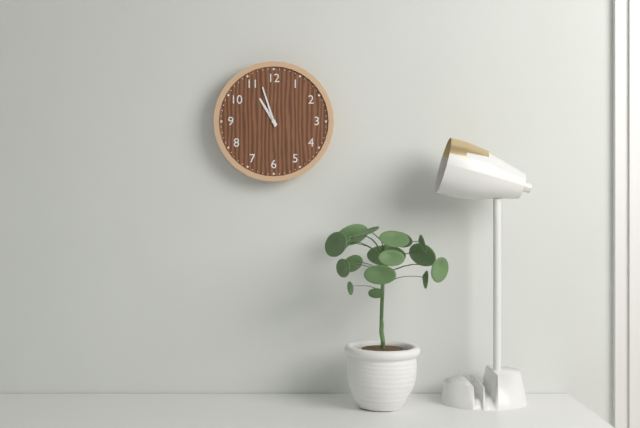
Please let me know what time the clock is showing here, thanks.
10:57
